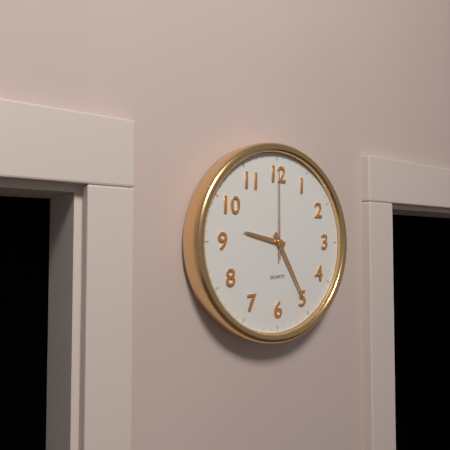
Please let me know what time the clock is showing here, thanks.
9:25:00
